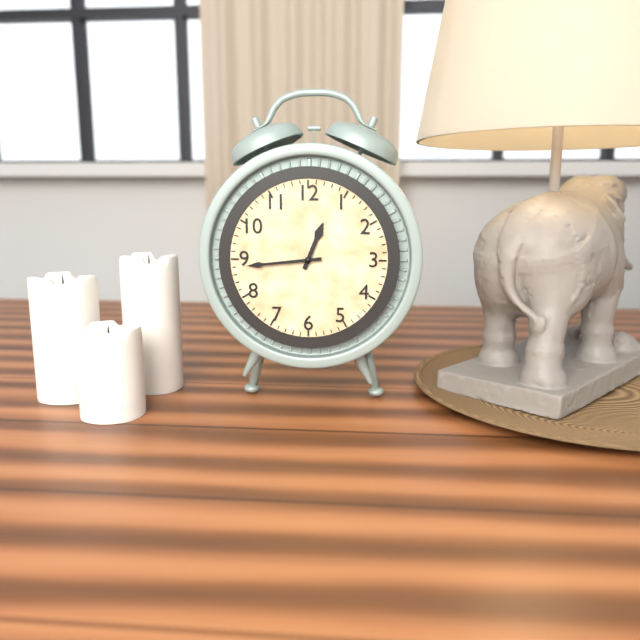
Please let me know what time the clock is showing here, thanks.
12:44
